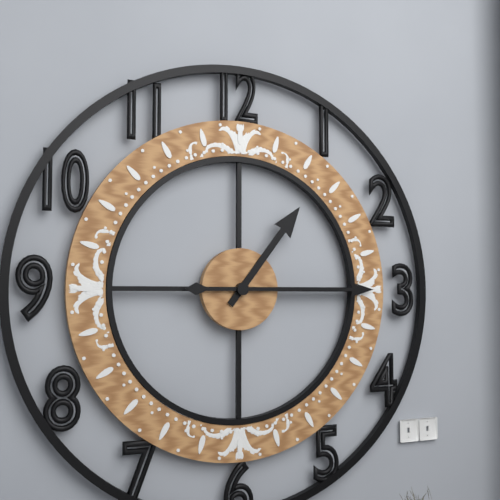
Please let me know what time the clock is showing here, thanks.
1:15
